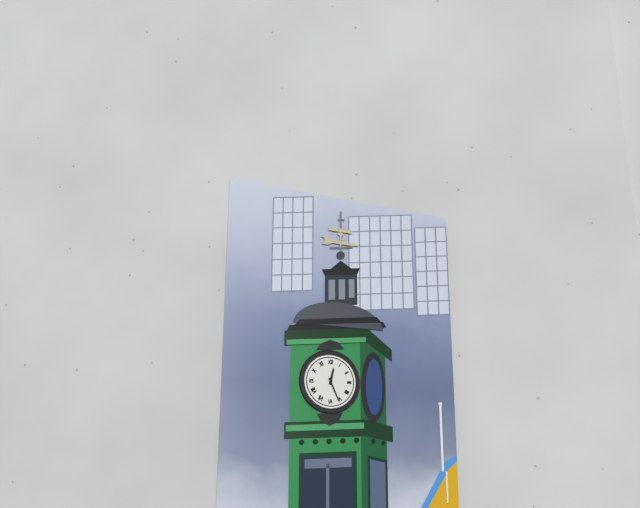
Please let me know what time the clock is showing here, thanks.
12:26
